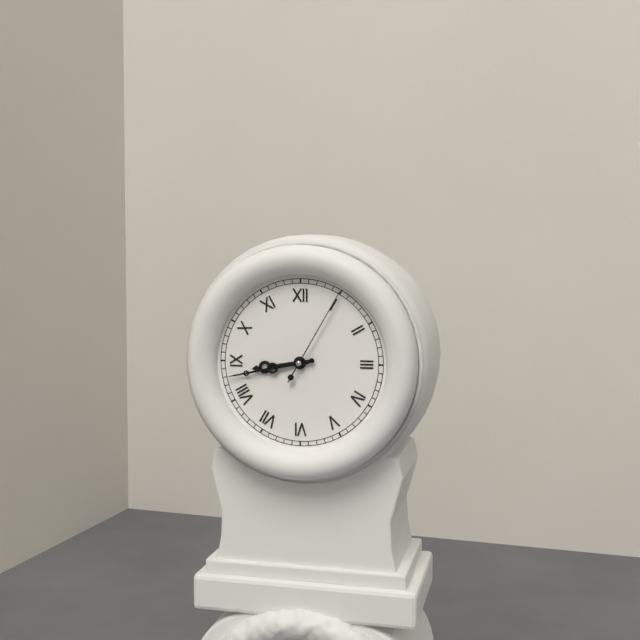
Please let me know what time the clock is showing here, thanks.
8:43:05
